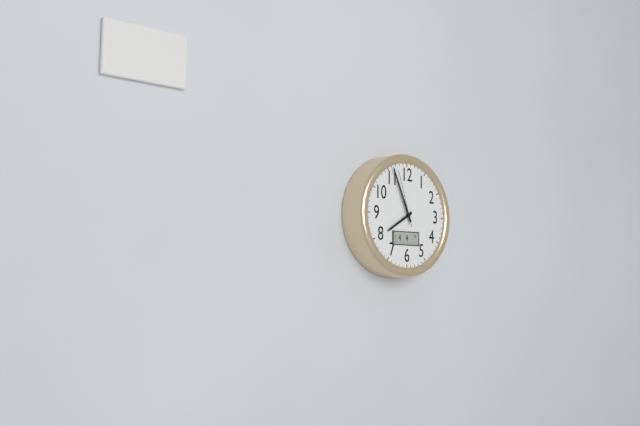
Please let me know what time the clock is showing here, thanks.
7:56:57
